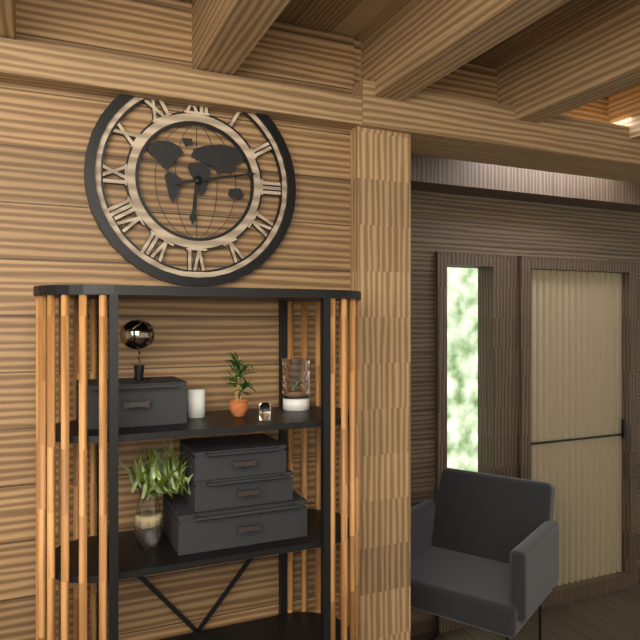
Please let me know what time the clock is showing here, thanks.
6:13
